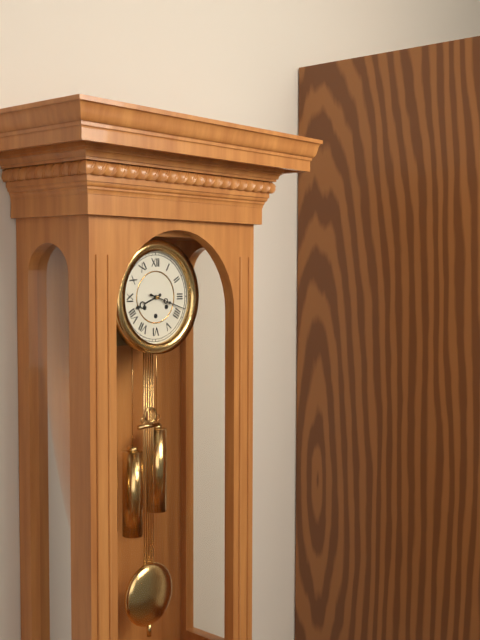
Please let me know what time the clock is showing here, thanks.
8:18
